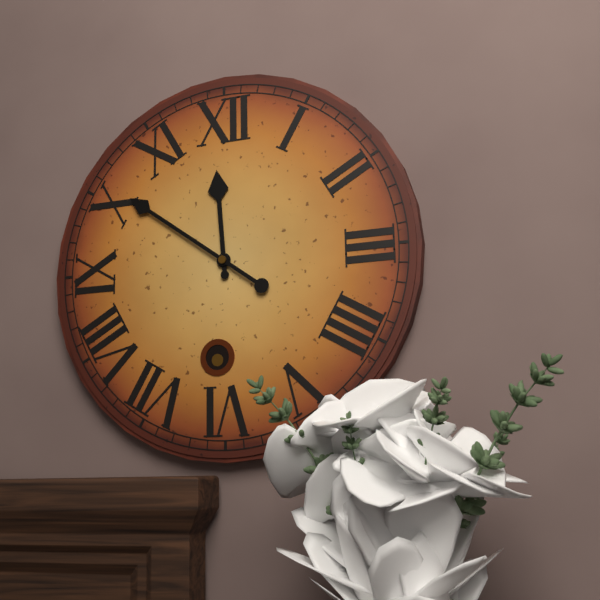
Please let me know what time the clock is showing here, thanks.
11:51
